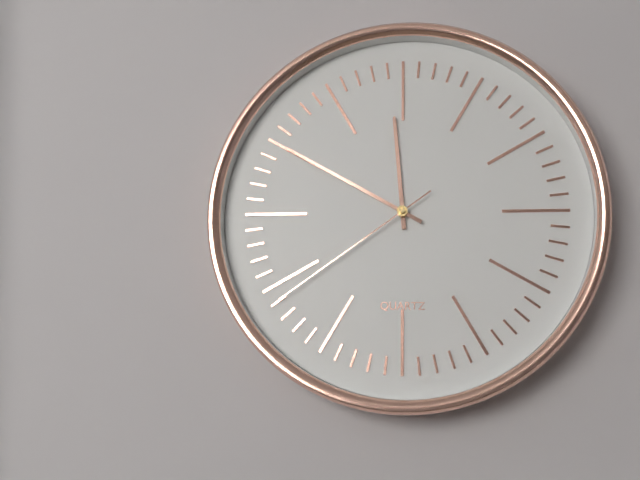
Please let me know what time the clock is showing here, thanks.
11:50:39
